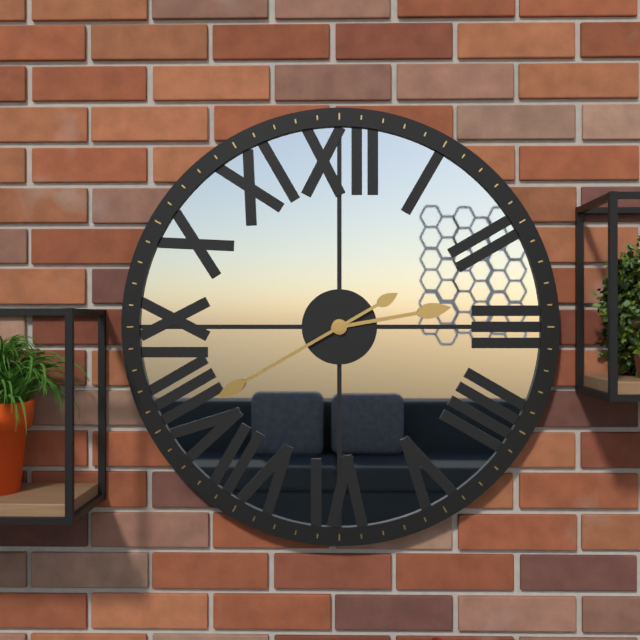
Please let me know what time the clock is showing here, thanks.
2:40
